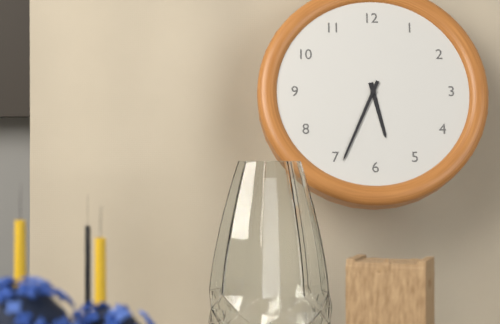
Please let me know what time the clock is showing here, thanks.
5:34
